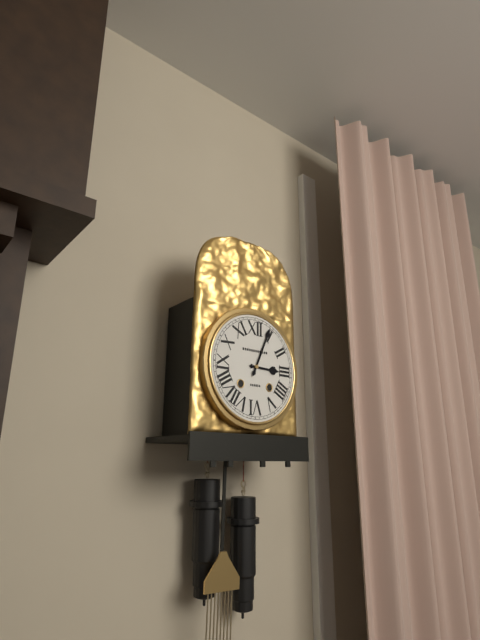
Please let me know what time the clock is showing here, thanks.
3:04
